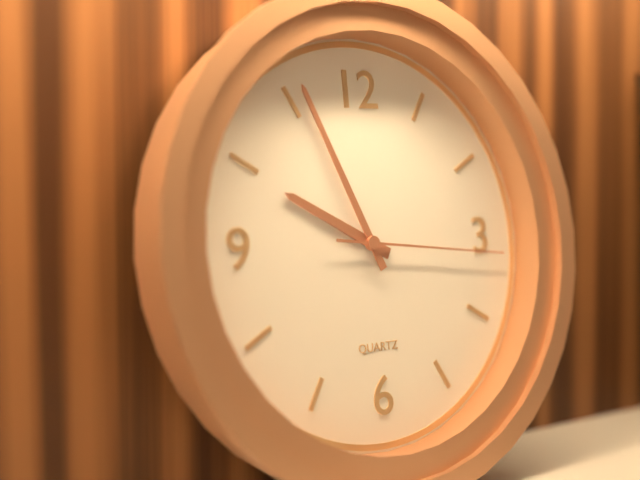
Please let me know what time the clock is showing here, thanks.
9:56:16
